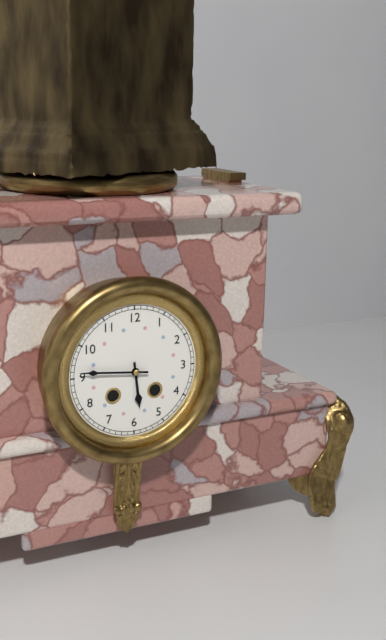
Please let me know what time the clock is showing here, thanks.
5:46
